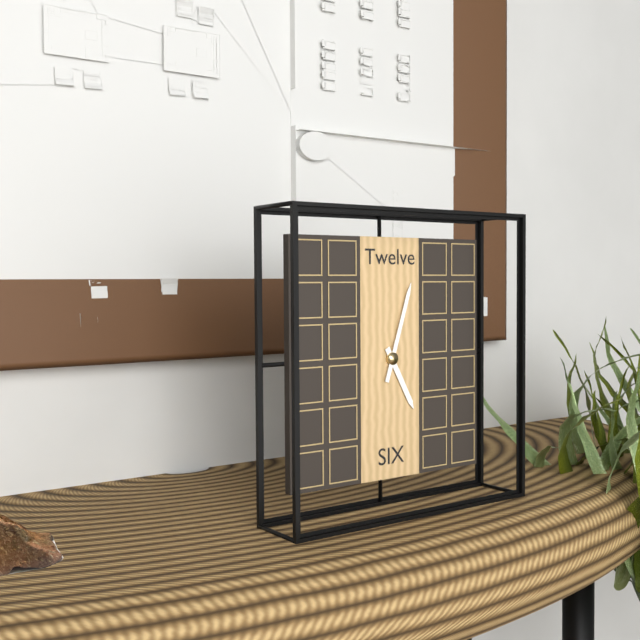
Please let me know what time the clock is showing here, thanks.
5:03
